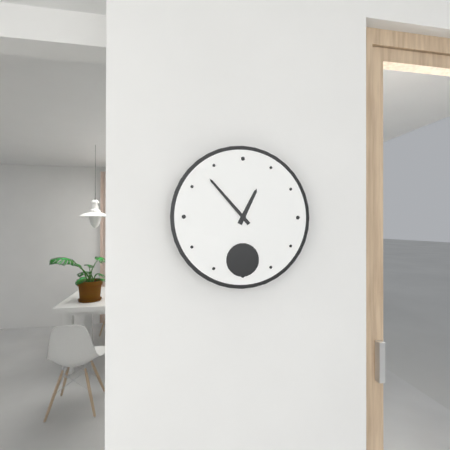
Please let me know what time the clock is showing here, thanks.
12:53
